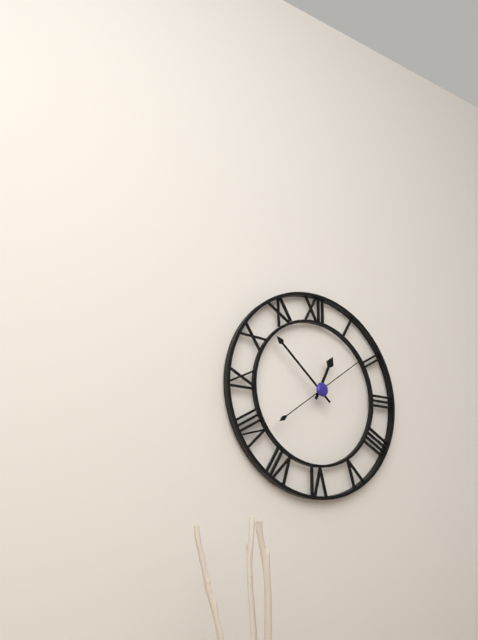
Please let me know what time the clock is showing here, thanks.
12:52:09
